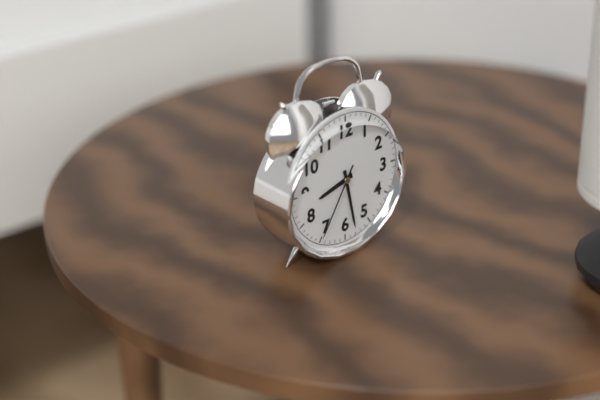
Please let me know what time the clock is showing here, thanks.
8:28:35
